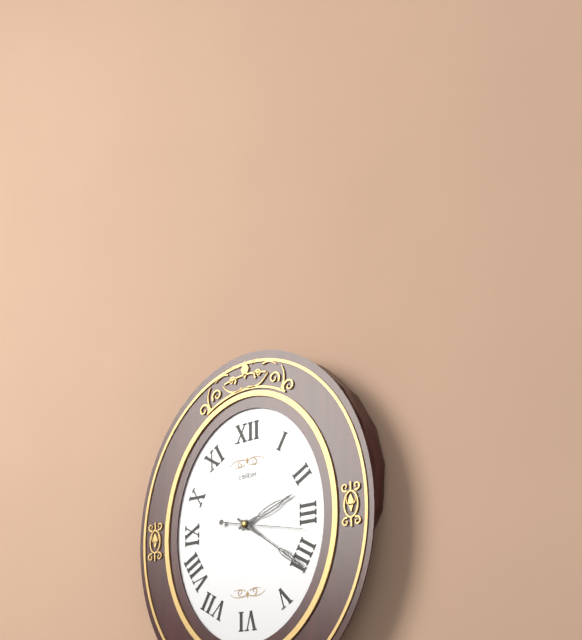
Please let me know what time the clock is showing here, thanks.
2:21:17
